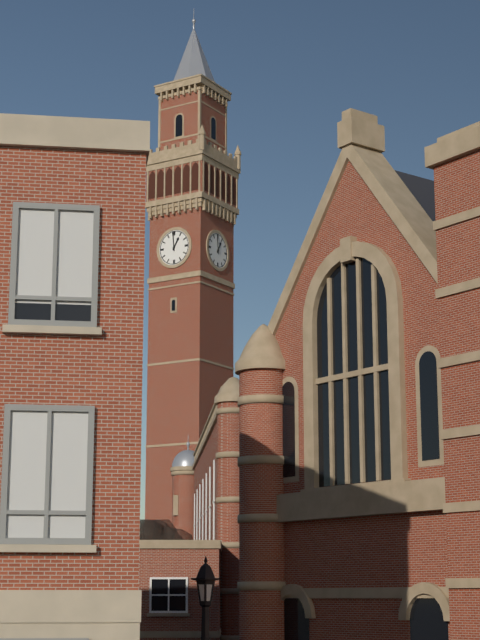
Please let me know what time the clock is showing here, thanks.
12:59
